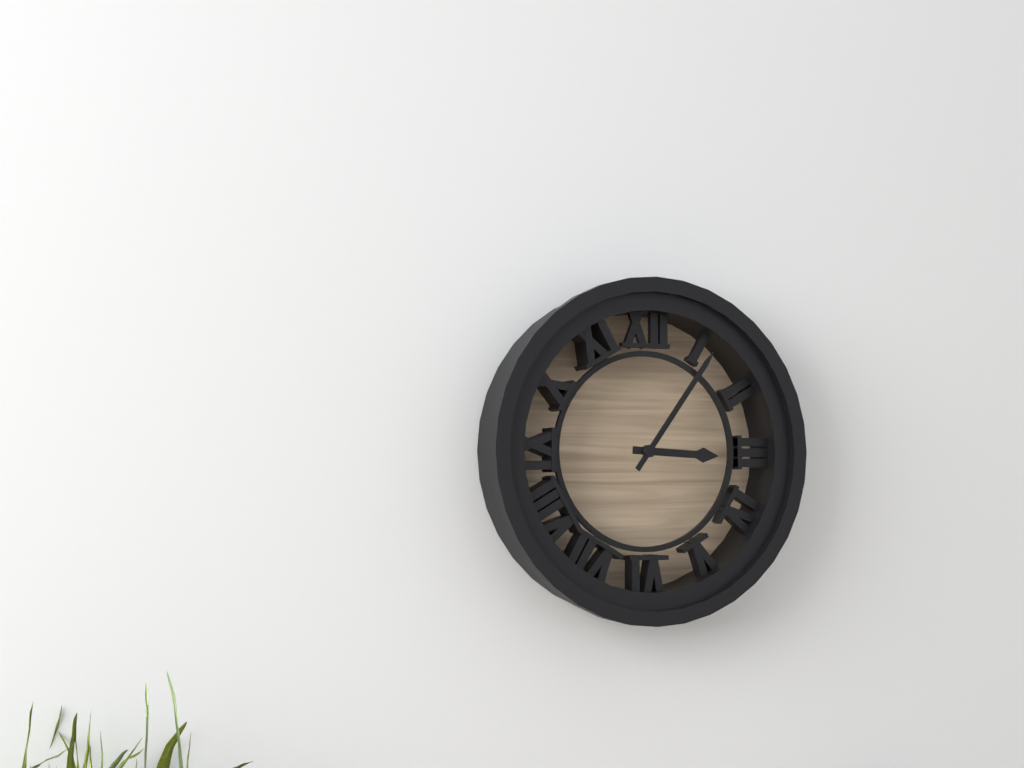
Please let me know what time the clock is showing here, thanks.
3:06
